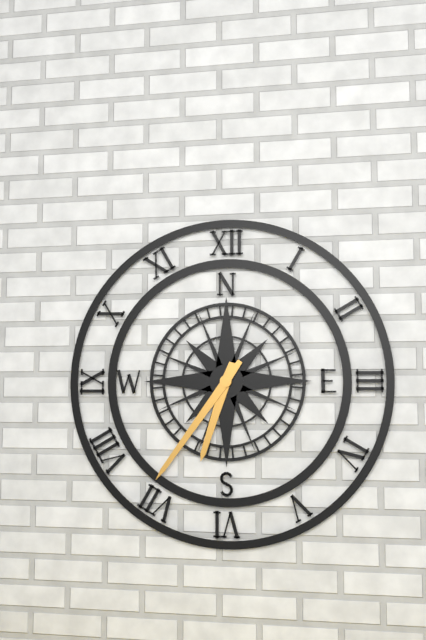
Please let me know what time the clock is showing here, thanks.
6:36
